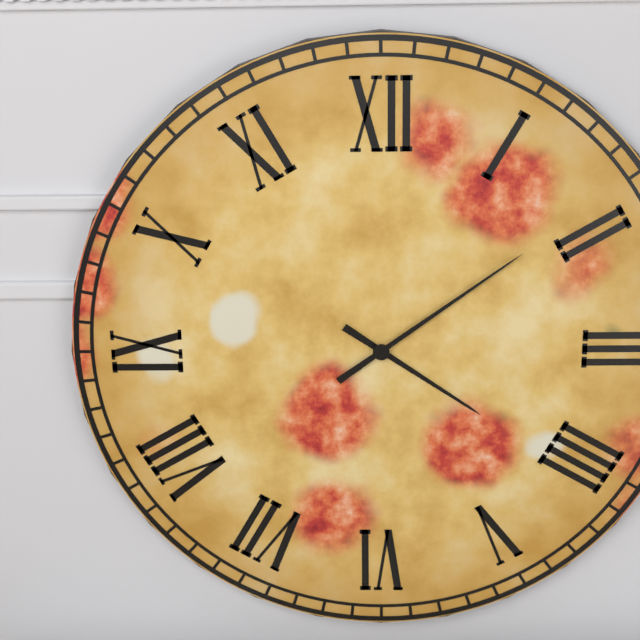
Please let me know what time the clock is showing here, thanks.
4:09
